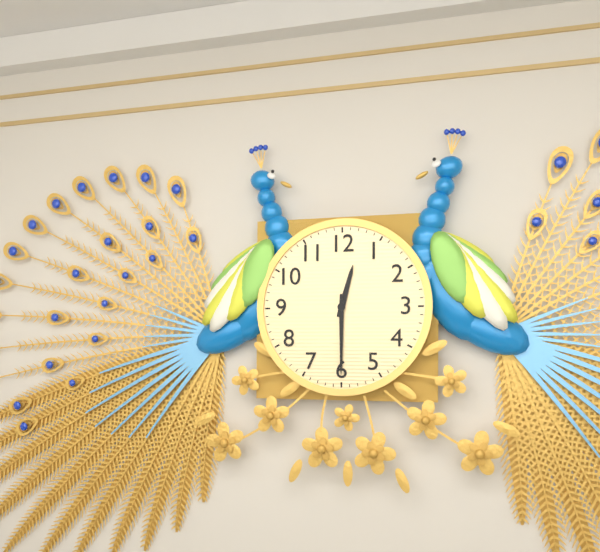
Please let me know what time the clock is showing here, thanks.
12:30
